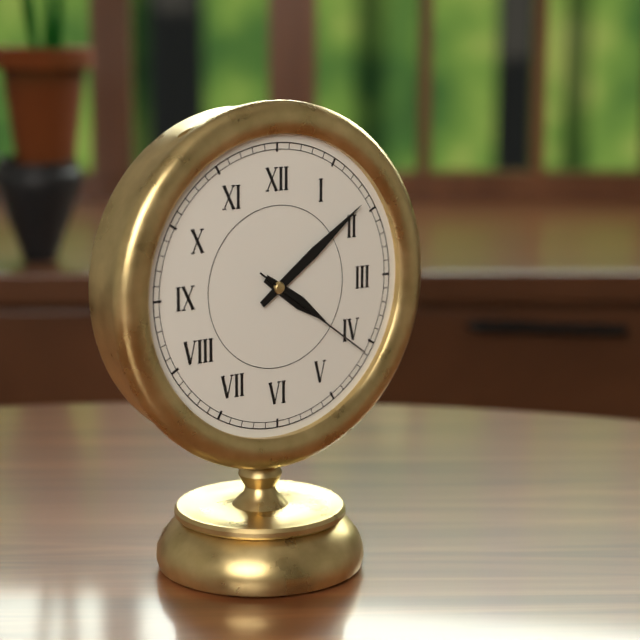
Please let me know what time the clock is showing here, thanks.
4:09:21
